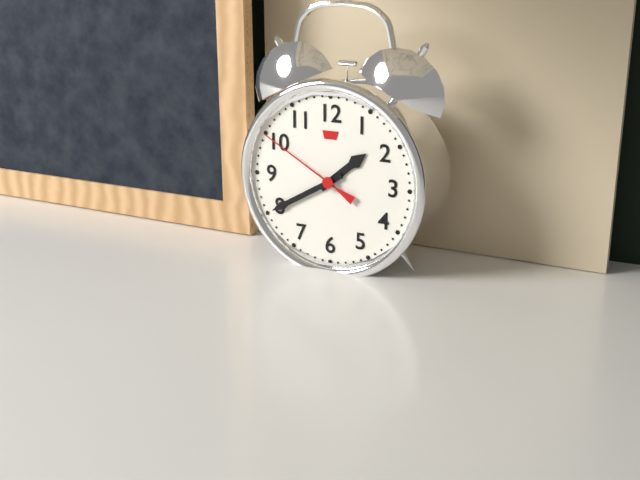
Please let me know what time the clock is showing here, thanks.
1:40:50
